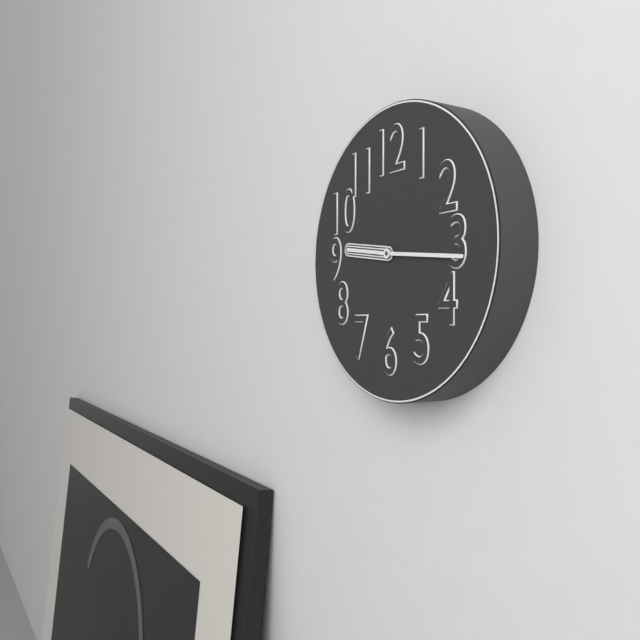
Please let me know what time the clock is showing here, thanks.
9:16
